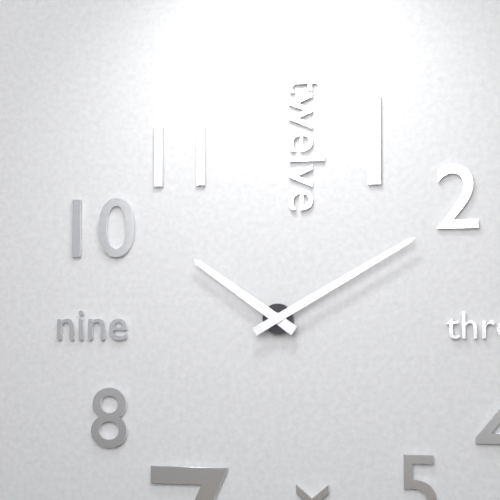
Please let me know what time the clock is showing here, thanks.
10:10
